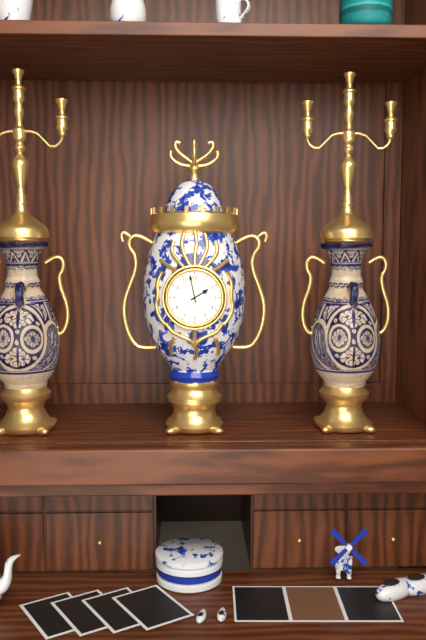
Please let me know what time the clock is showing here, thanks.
1:58
